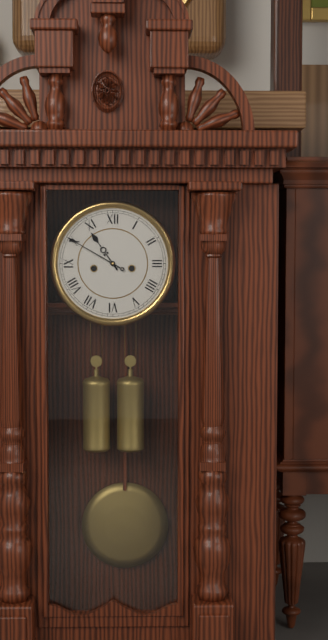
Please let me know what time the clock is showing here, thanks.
10:50
